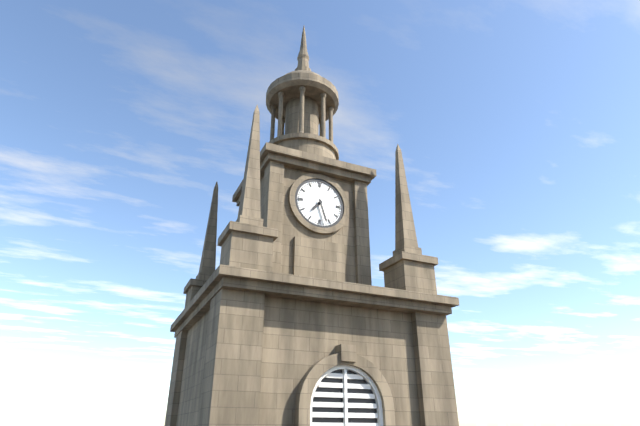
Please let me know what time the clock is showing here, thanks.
7:27
